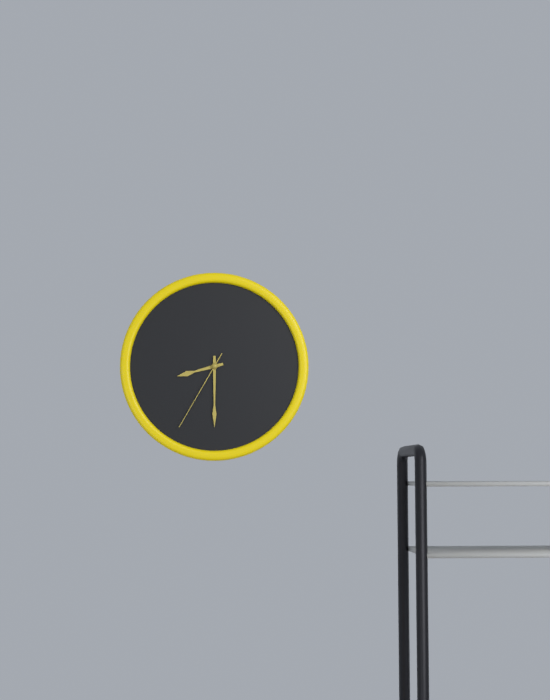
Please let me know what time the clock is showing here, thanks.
8:30:35
